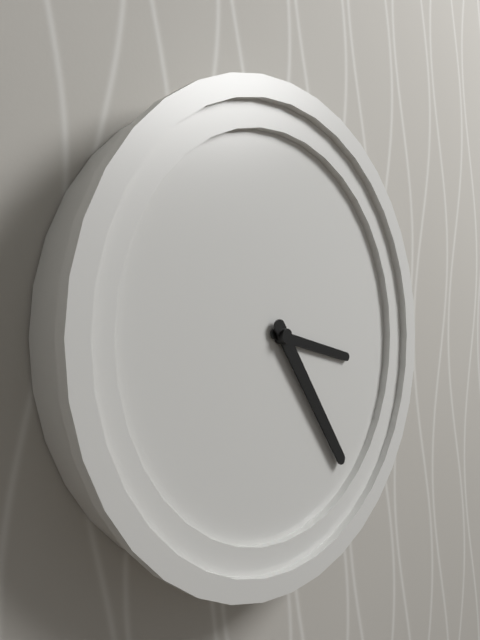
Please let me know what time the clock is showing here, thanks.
3:24
